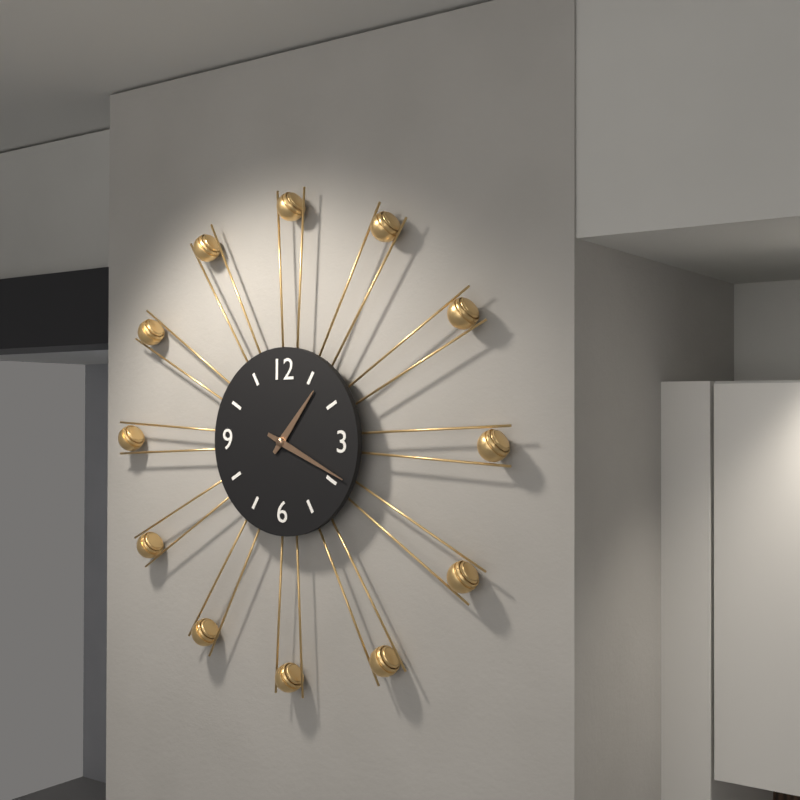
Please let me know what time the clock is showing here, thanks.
1:19
